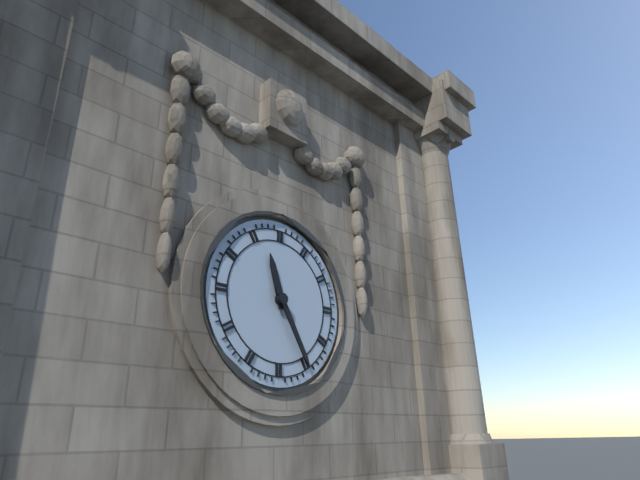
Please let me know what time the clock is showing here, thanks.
11:25
